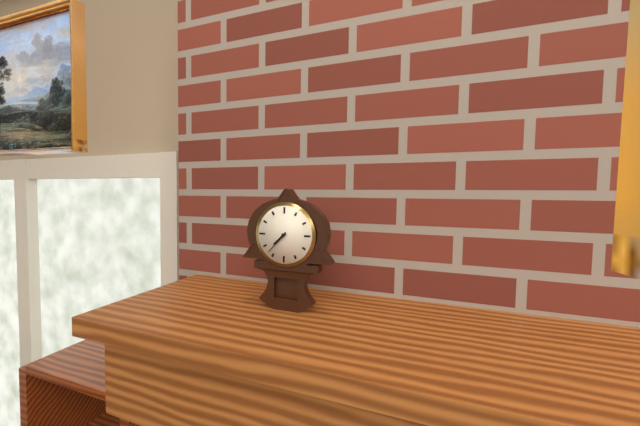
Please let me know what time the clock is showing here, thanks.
7:37
